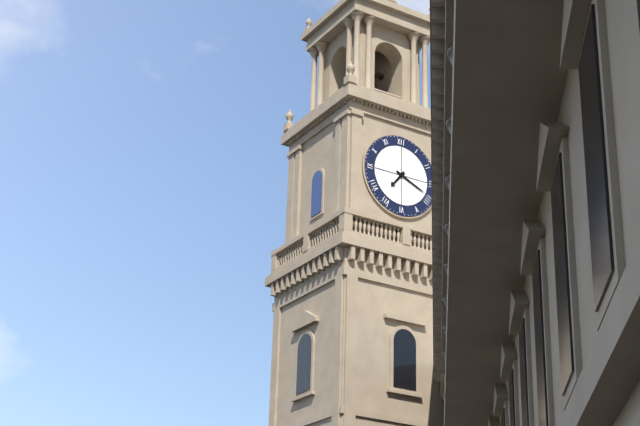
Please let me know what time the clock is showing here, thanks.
7:19
